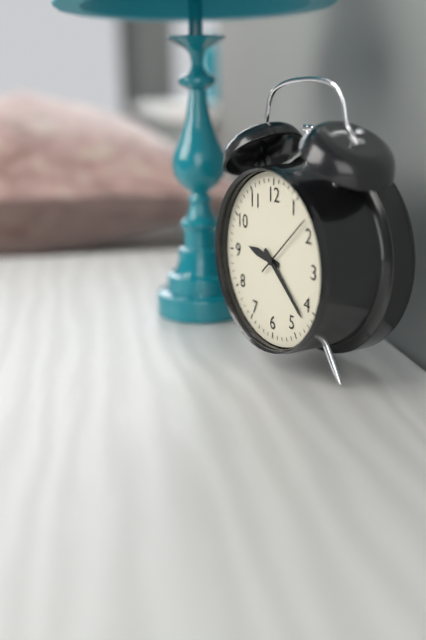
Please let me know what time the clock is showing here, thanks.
9:22:08
